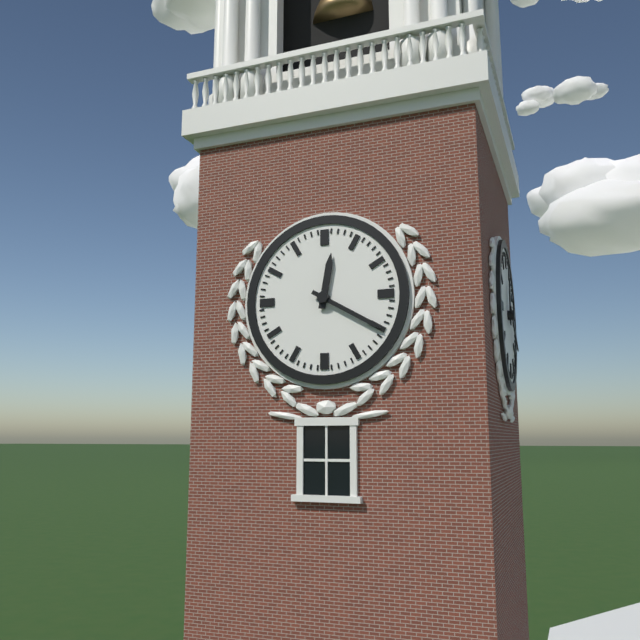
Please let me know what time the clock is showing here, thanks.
12:20
